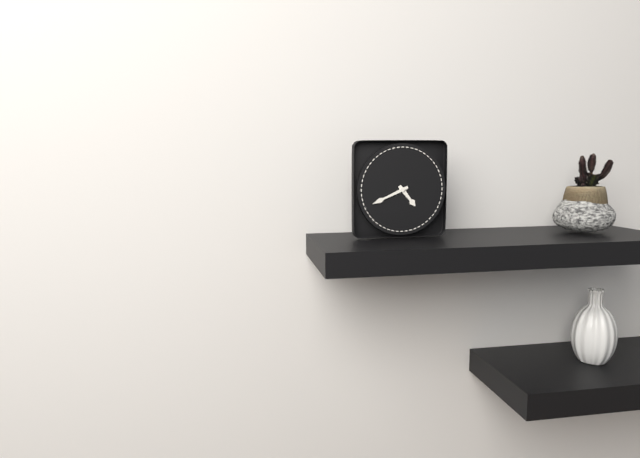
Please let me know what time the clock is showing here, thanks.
4:41
